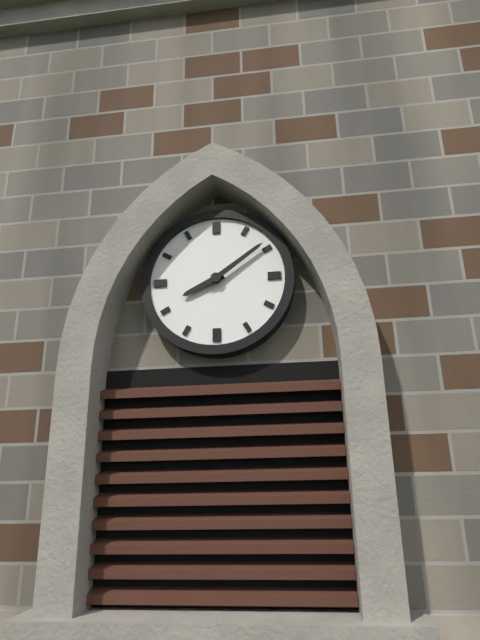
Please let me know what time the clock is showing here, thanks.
8:09
